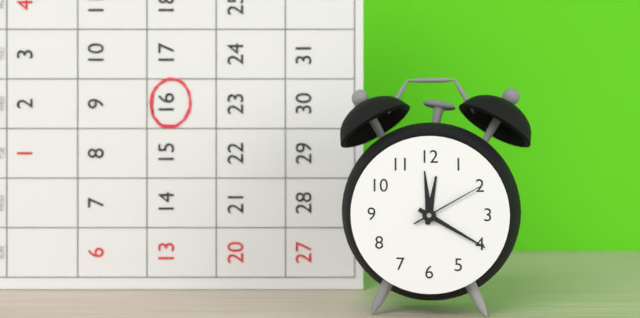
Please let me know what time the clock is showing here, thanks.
12:20:10
